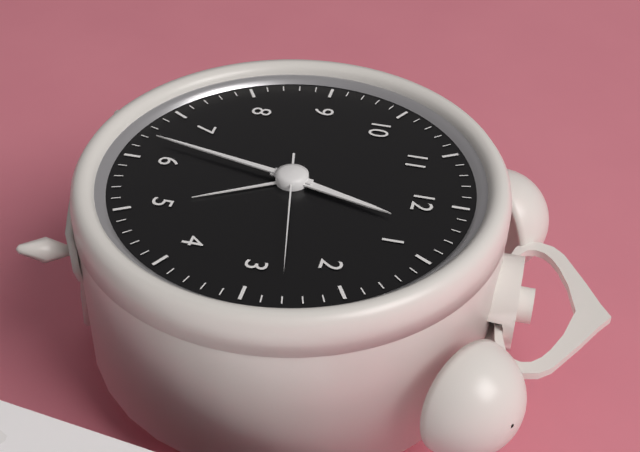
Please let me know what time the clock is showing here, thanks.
12:32:13
